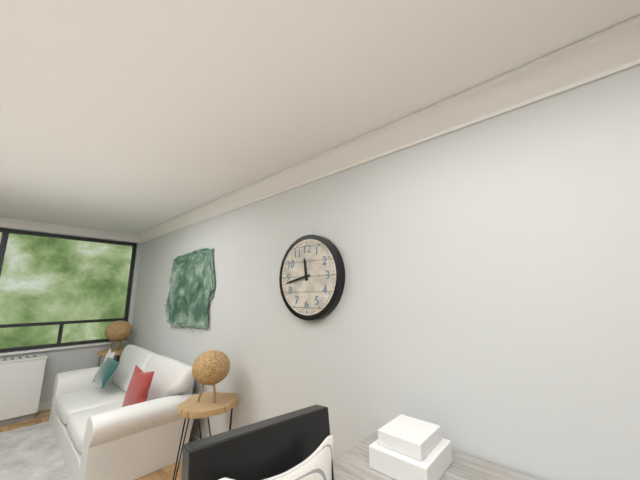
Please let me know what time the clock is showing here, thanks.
11:43
